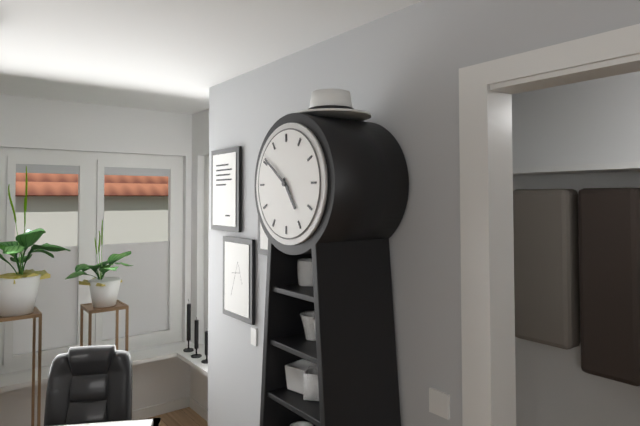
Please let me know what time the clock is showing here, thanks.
4:51
